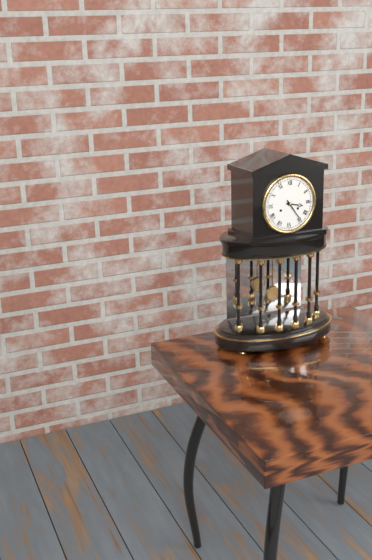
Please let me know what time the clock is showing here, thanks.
3:24
